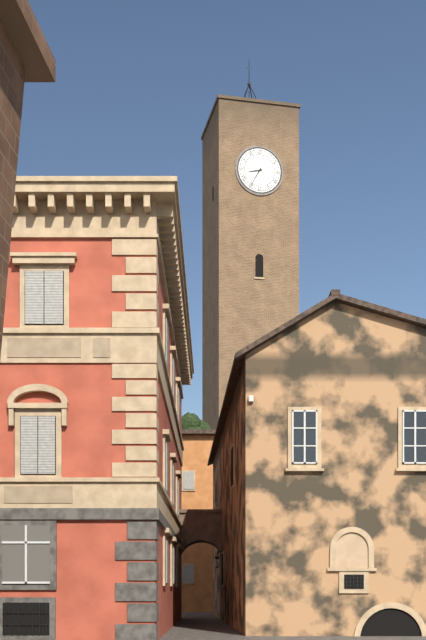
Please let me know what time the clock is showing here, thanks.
8:35
